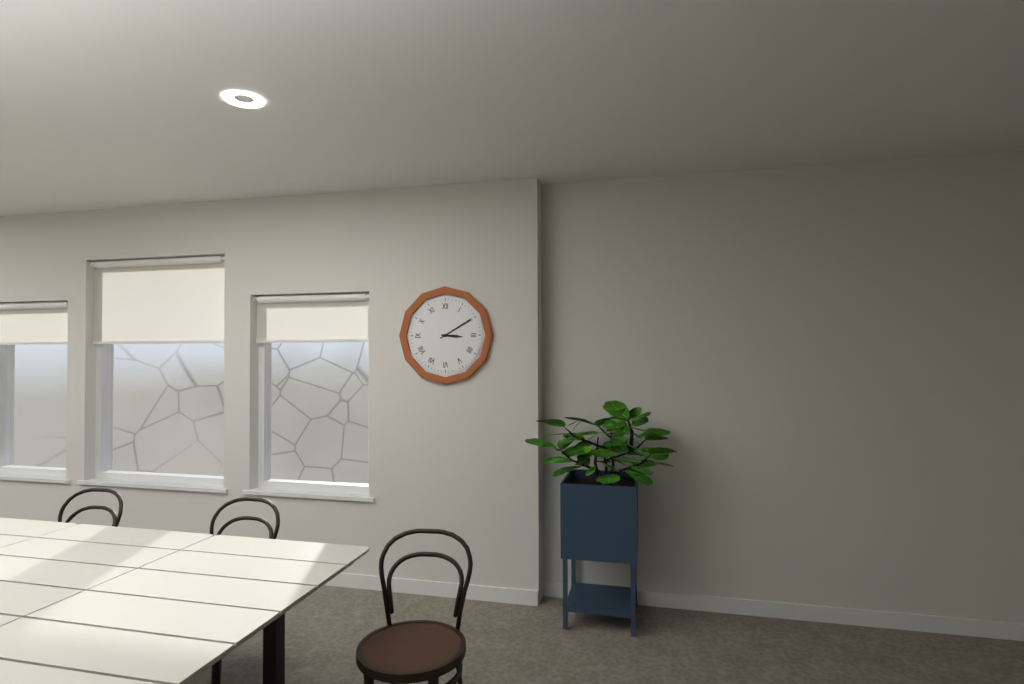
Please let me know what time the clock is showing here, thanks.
3:10
